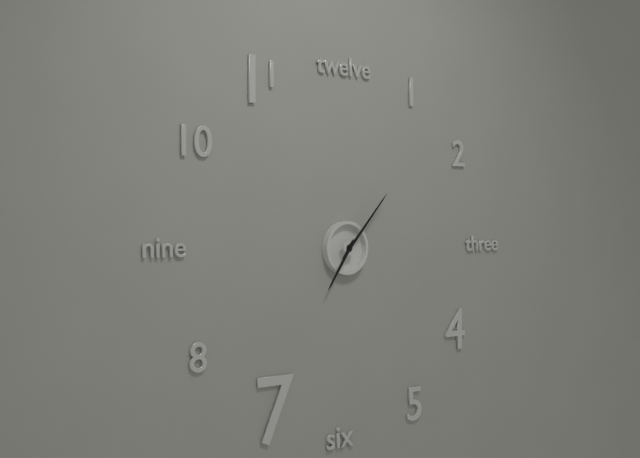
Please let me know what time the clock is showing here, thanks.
7:07
